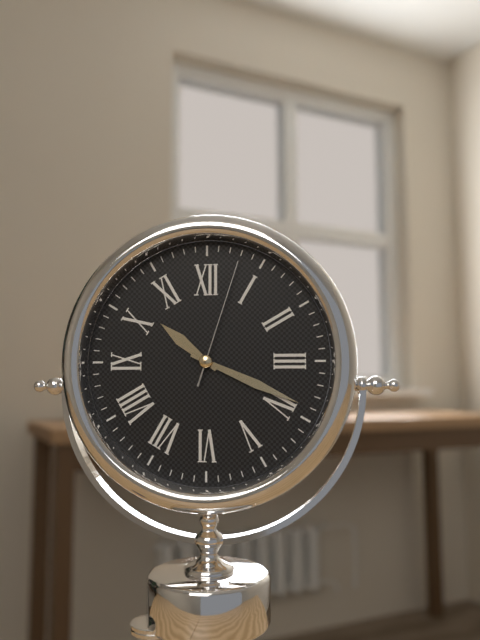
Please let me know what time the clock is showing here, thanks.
10:19:03
